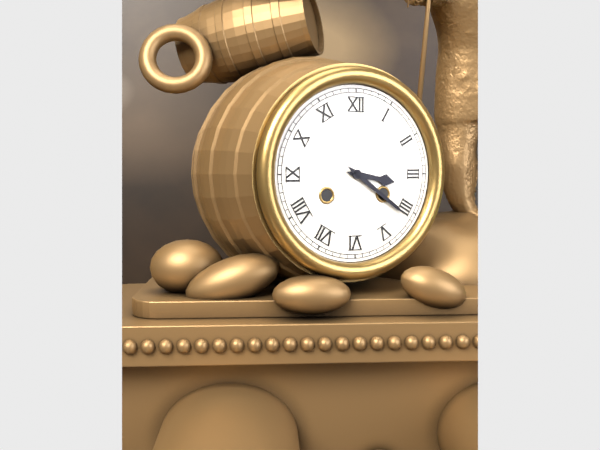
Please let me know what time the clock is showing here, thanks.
3:21
